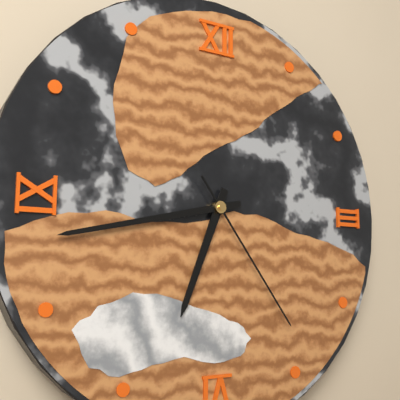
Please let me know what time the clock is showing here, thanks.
6:43:24
